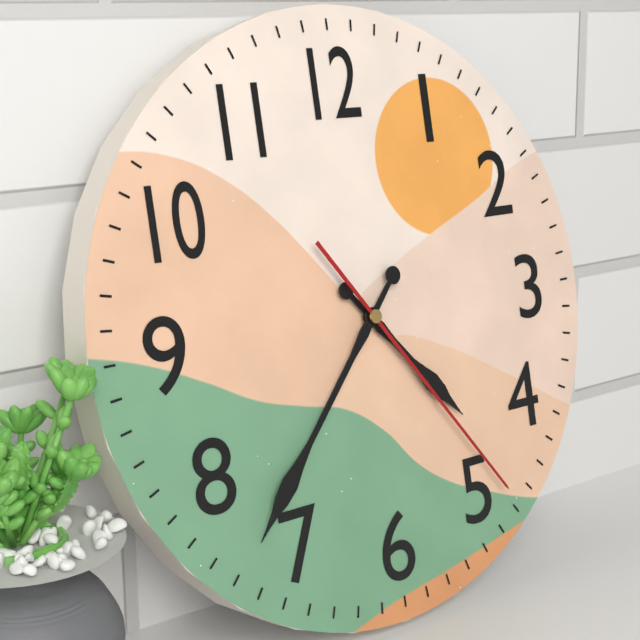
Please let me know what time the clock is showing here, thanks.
4:37:24
